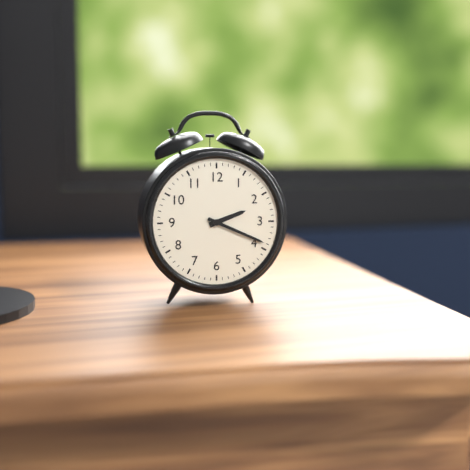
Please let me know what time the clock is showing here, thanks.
2:19
